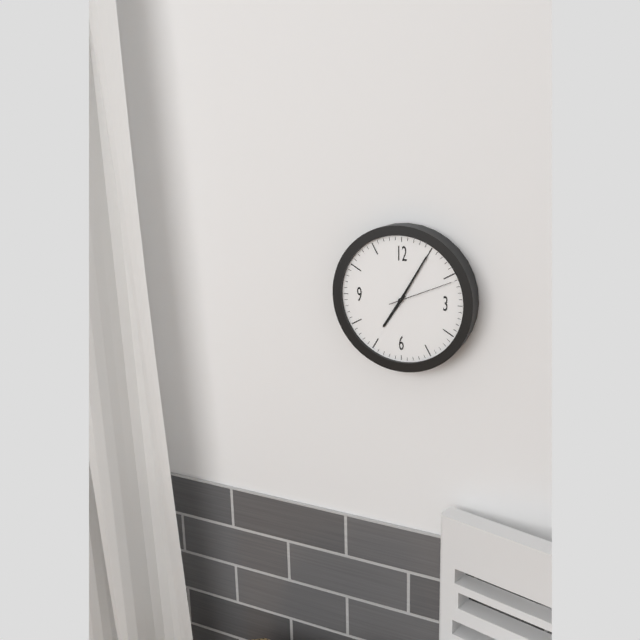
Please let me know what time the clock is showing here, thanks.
7:05:11
